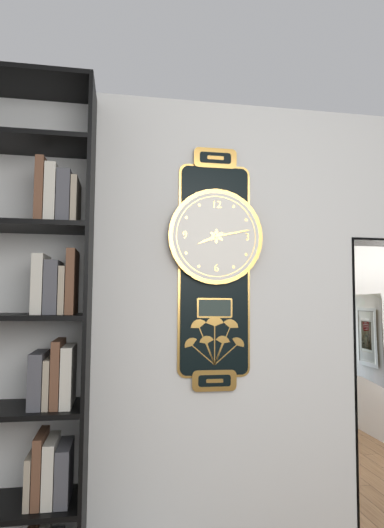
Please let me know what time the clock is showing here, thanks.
8:13
